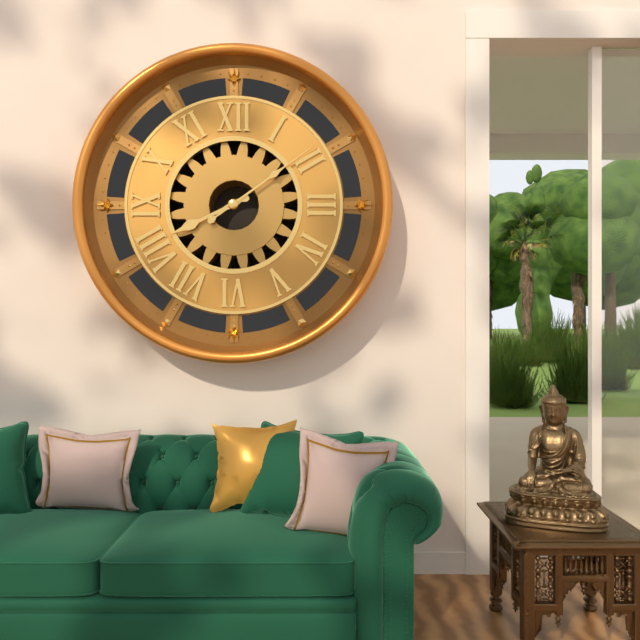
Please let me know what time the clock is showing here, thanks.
8:09
